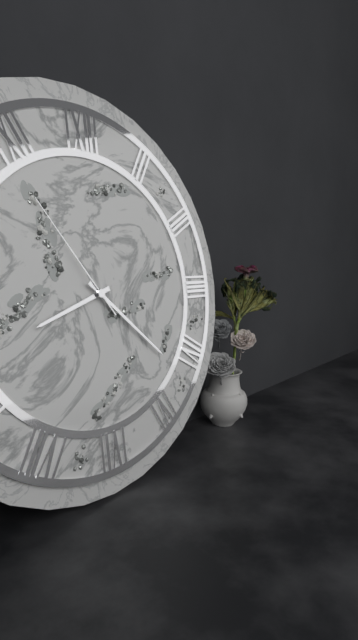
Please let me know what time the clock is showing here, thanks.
8:22:54
